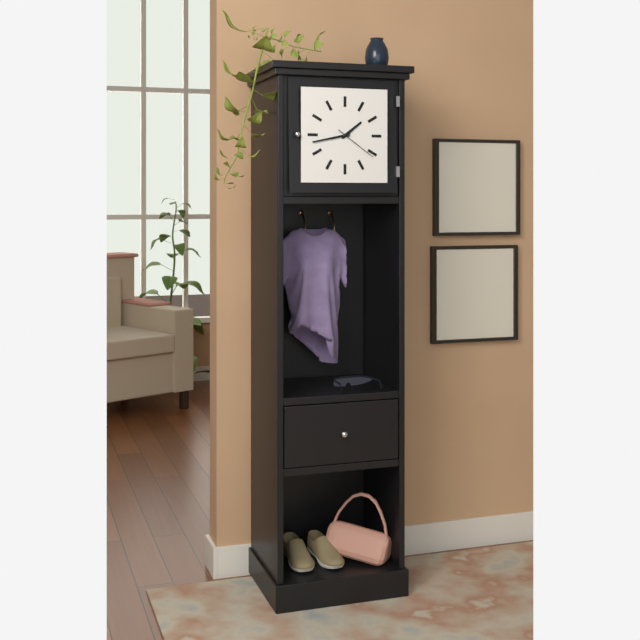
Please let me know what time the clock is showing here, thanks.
1:43
